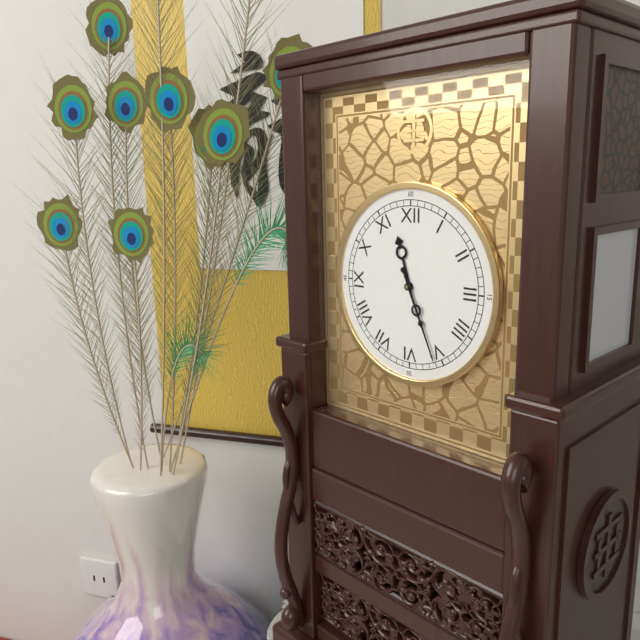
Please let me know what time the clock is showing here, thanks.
11:26
